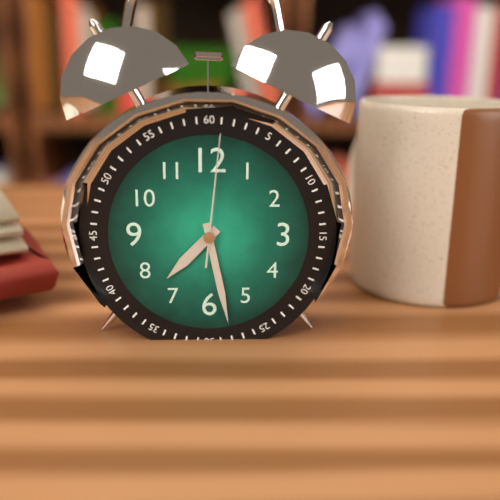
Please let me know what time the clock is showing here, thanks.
7:28:01
